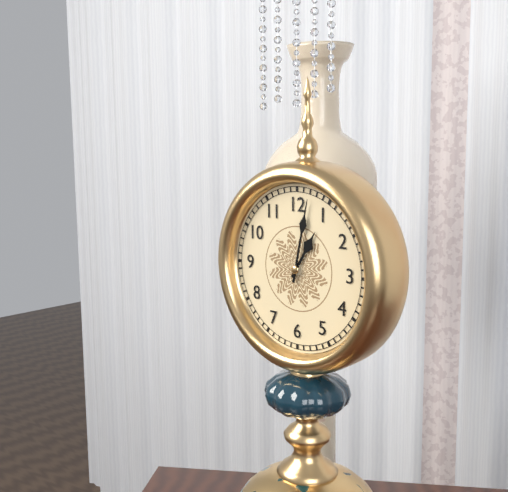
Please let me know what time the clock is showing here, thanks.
1:02
